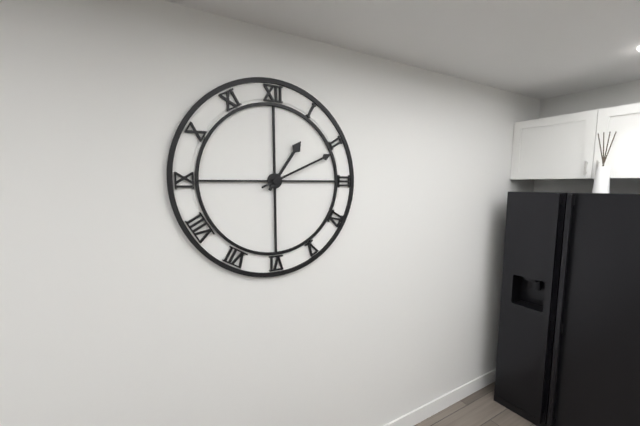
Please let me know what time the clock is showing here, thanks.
1:11
